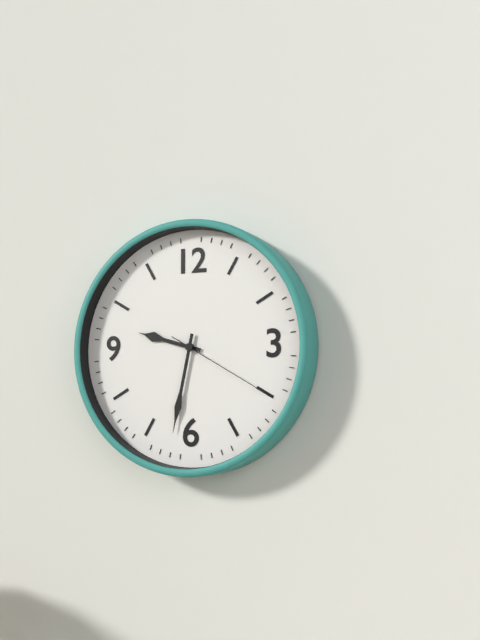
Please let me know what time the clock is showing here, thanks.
9:32:20
